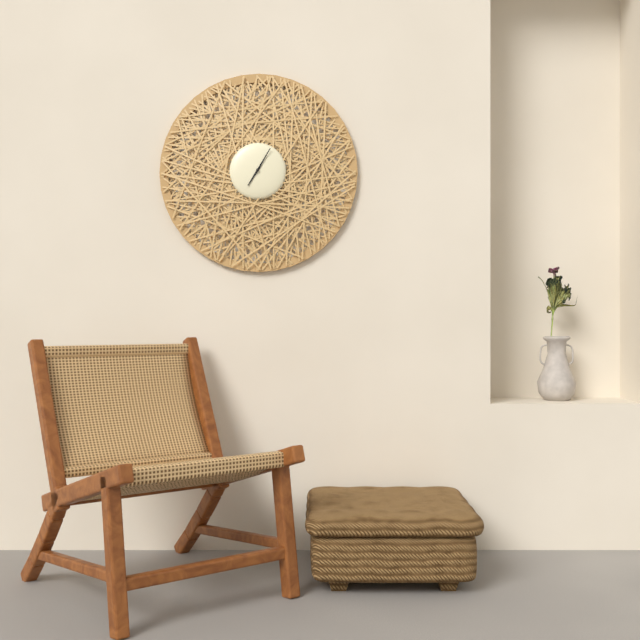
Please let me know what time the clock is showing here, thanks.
7:05
